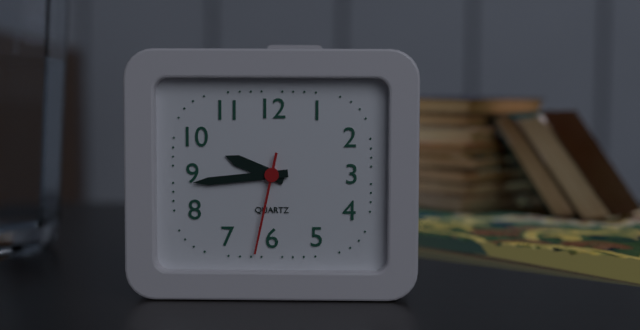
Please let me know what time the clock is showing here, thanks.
9:44:32
